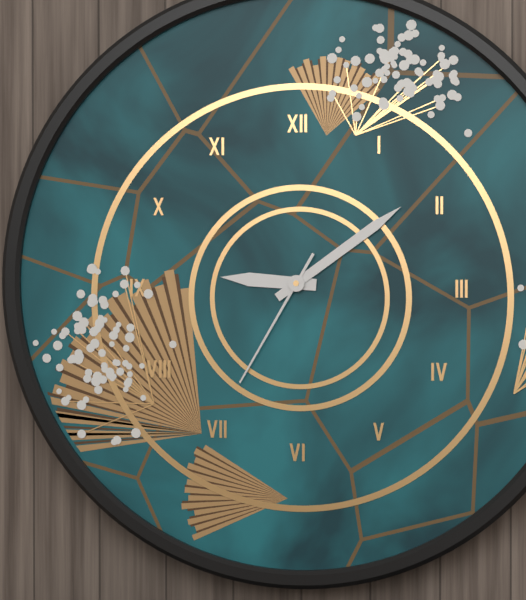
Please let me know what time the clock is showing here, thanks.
9:09:35
